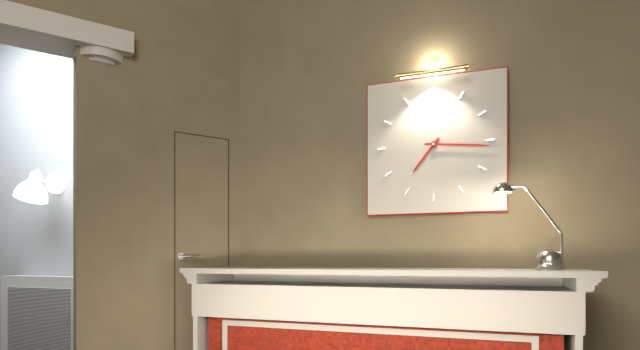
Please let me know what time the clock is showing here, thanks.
7:16
